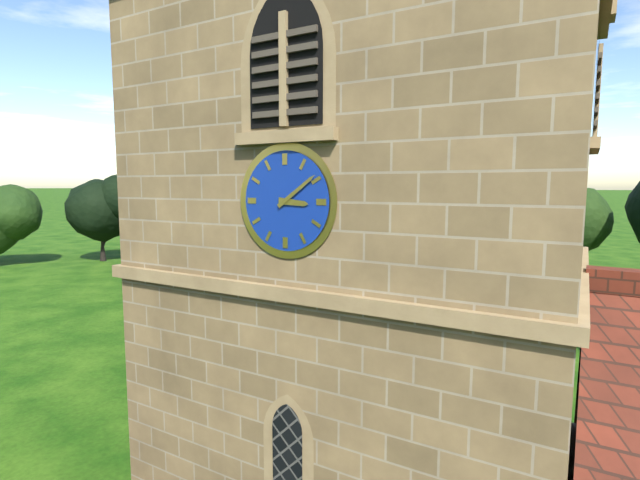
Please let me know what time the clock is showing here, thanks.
3:09
